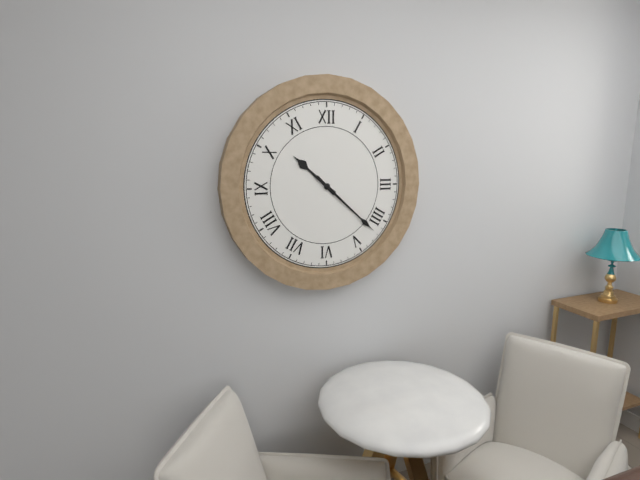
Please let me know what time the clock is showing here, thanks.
10:22
